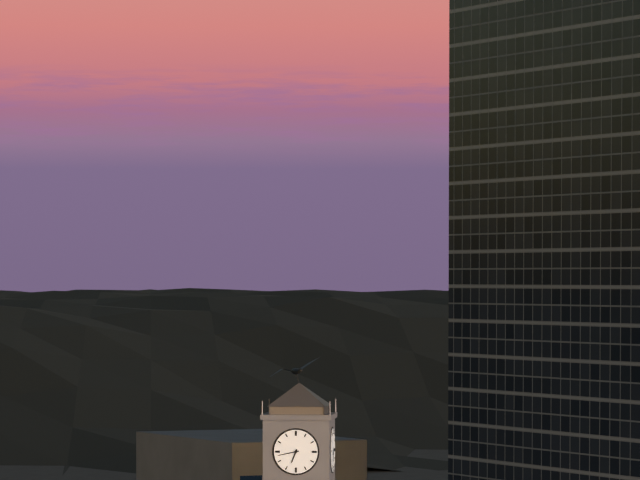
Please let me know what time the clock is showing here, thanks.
6:43
